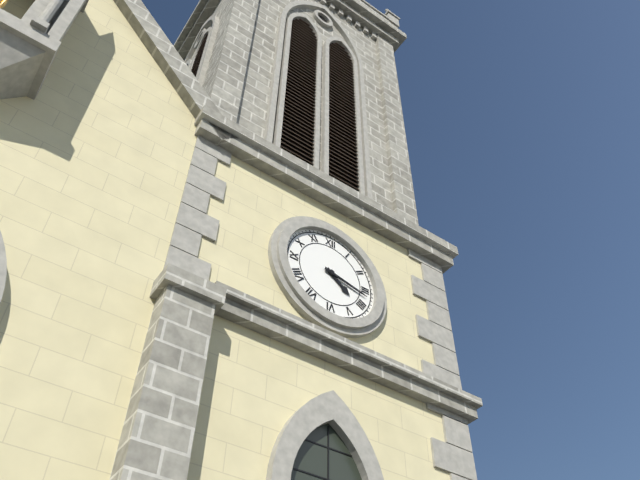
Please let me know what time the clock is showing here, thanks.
4:17
